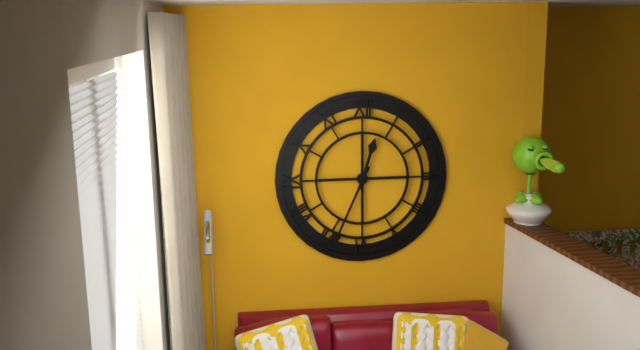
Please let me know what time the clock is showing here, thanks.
12:34
